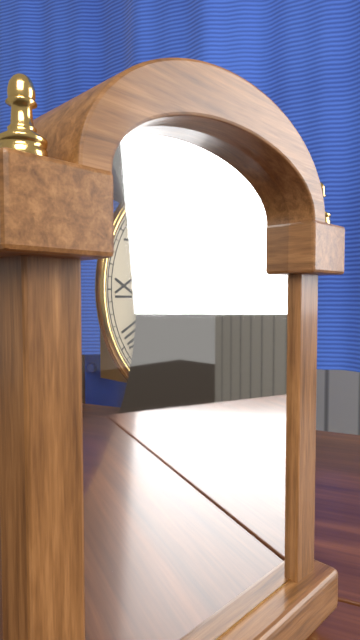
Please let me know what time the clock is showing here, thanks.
8:05
